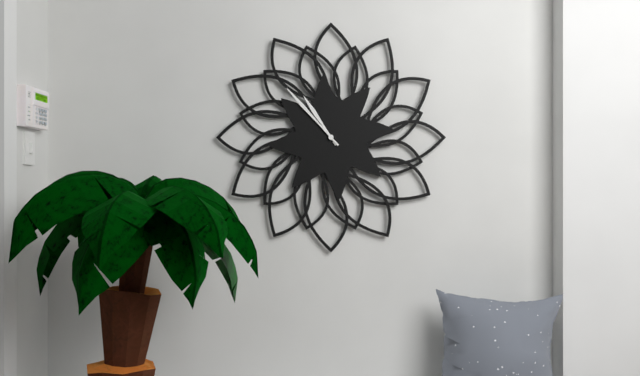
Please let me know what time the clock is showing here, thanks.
10:53
